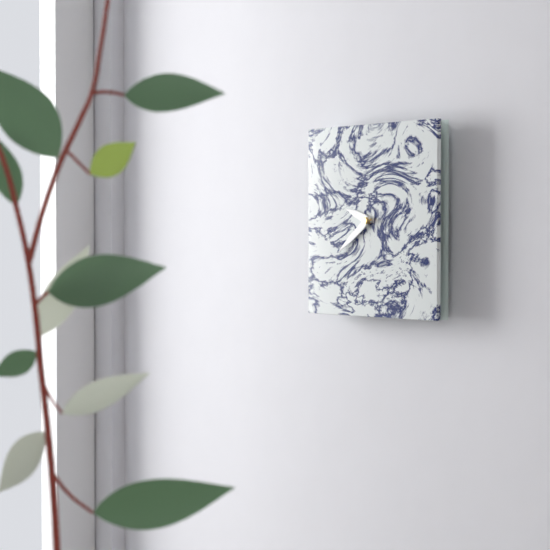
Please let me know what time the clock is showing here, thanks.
9:39
